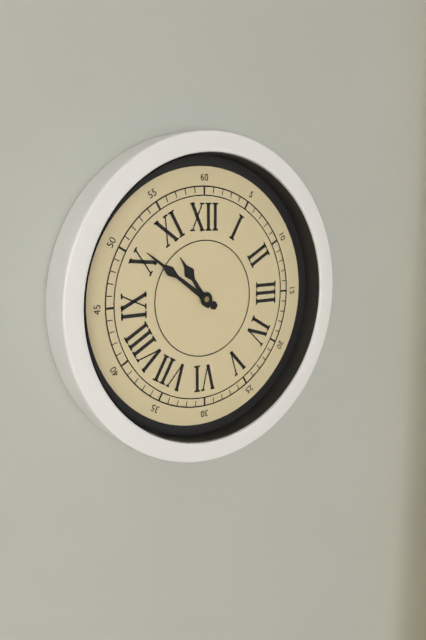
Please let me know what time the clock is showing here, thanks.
10:51
